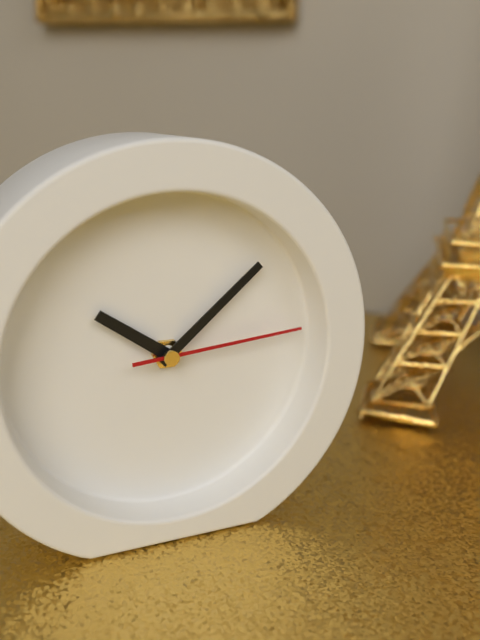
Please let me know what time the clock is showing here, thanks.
10:08:14
